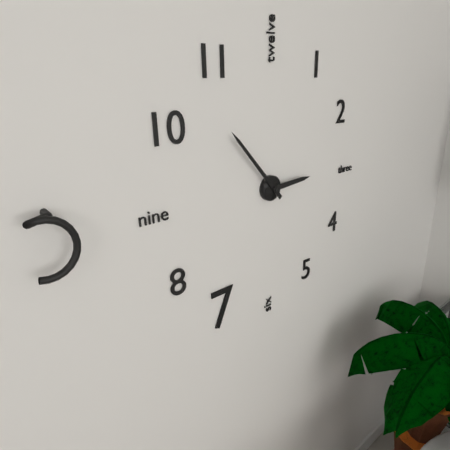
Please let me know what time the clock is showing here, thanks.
2:53
